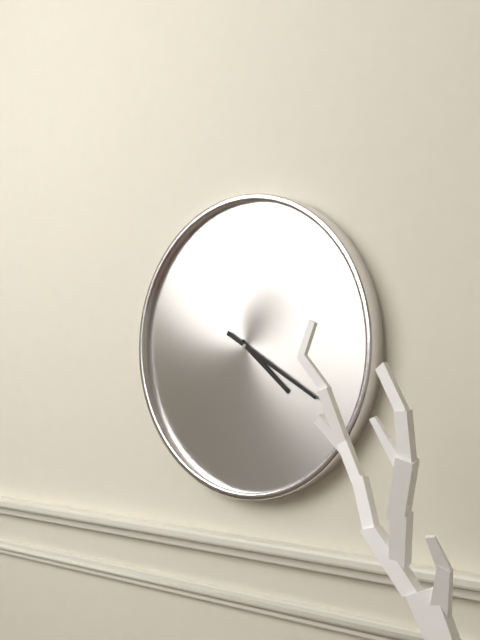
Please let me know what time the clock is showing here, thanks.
4:20
